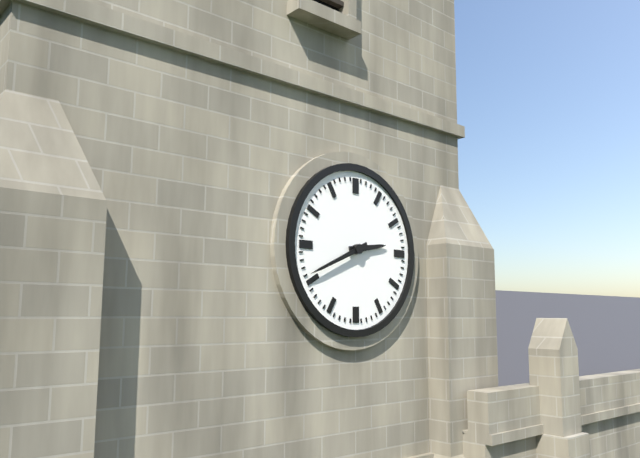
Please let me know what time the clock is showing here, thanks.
2:41
